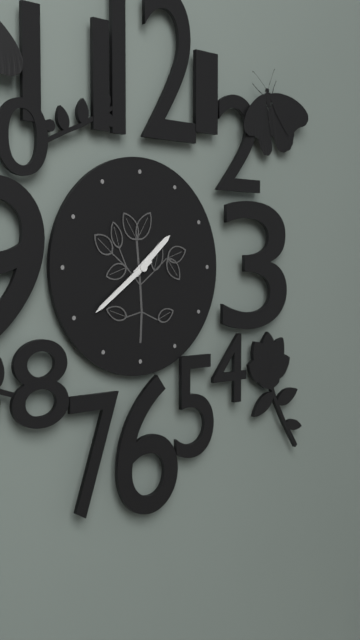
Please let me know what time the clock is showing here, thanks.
1:39
